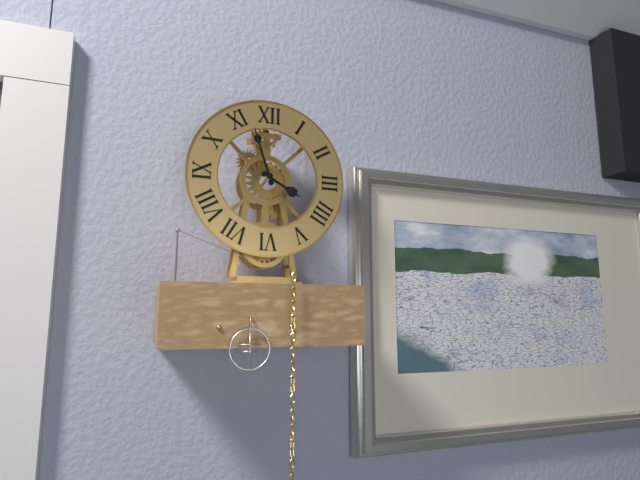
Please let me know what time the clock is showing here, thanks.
3:57
